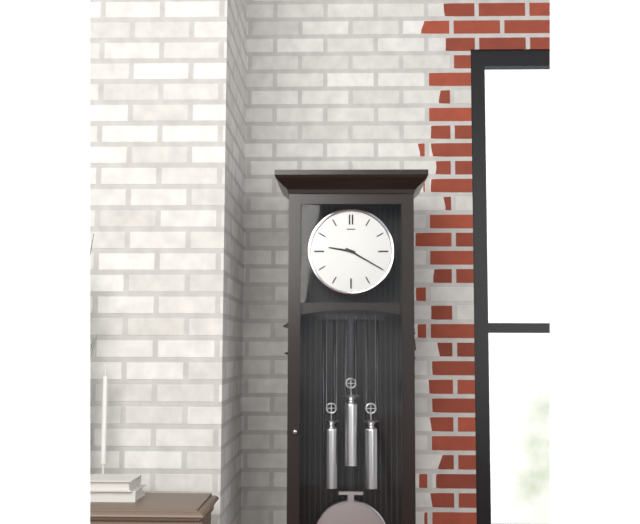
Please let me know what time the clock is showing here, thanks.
9:20
